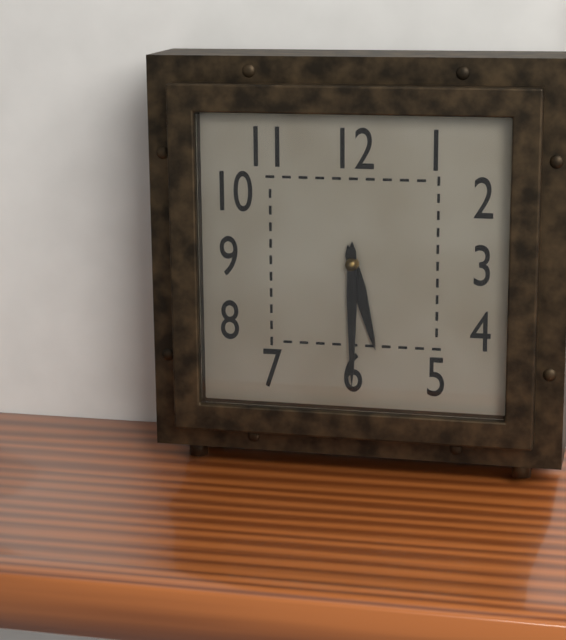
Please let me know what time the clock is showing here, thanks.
5:30
